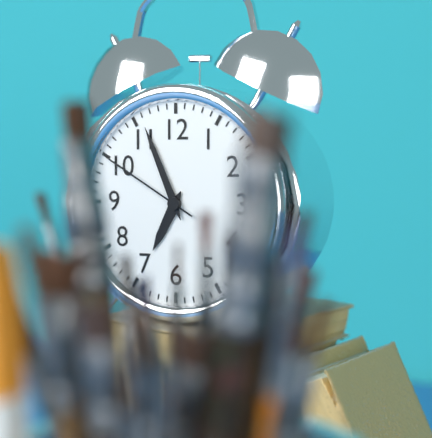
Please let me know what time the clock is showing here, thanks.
6:56:50
